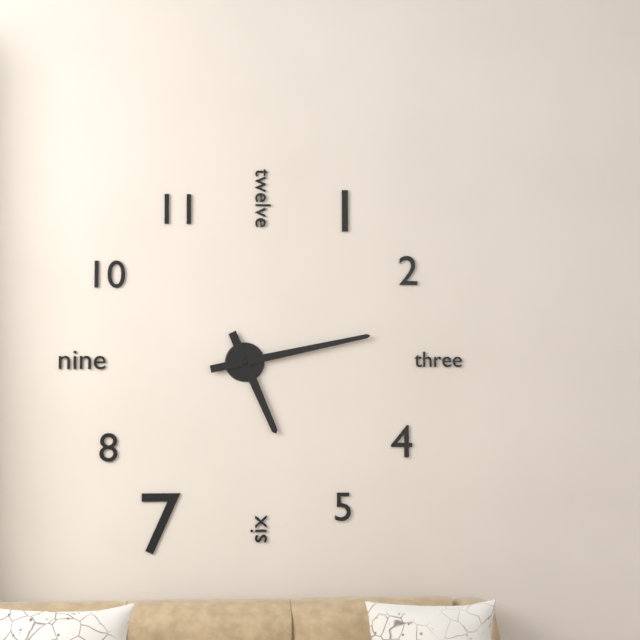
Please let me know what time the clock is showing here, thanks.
5:13
